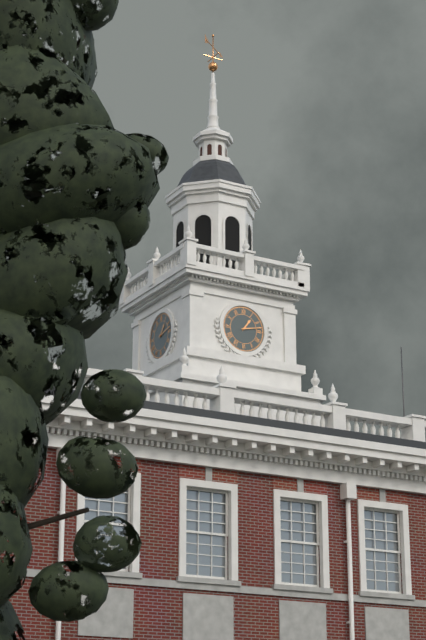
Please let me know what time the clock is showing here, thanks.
1:13
